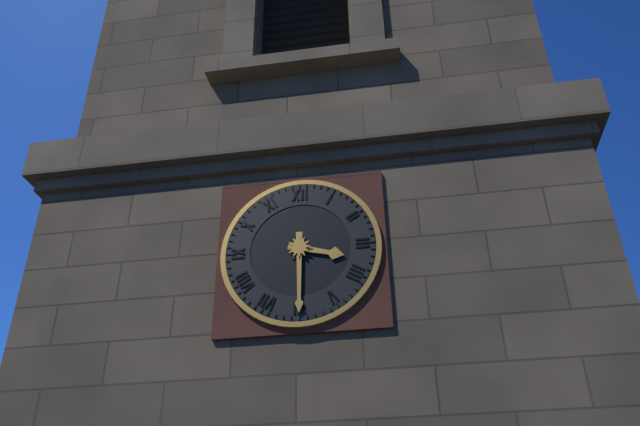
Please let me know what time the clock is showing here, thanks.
3:30
